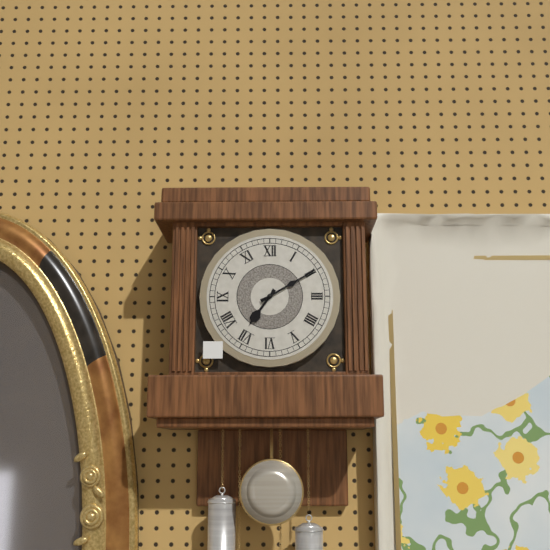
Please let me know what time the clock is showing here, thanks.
7:10
